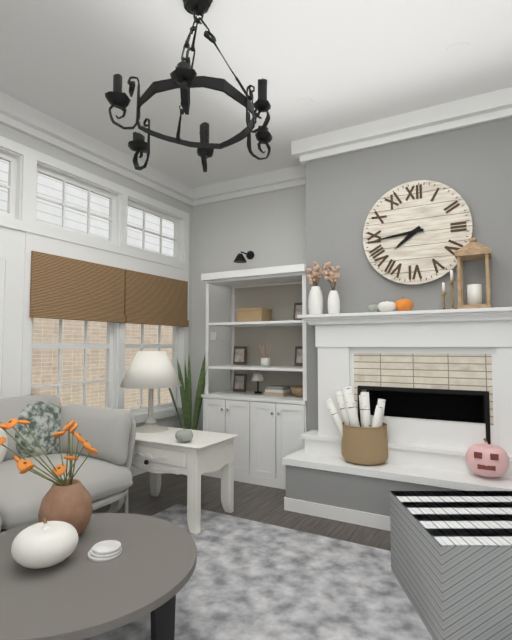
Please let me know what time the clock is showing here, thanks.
7:44
